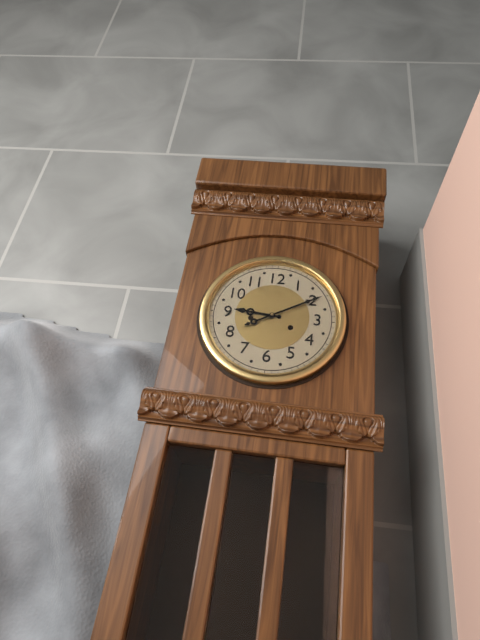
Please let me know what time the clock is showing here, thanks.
9:10
